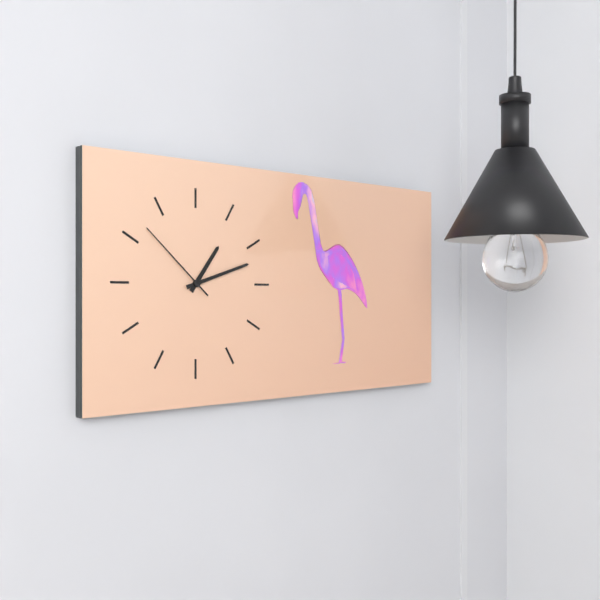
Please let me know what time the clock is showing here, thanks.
1:12:52
